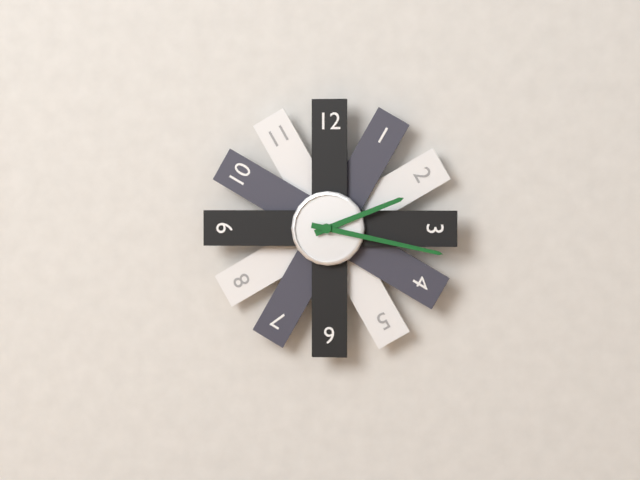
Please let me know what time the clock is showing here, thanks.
2:17
